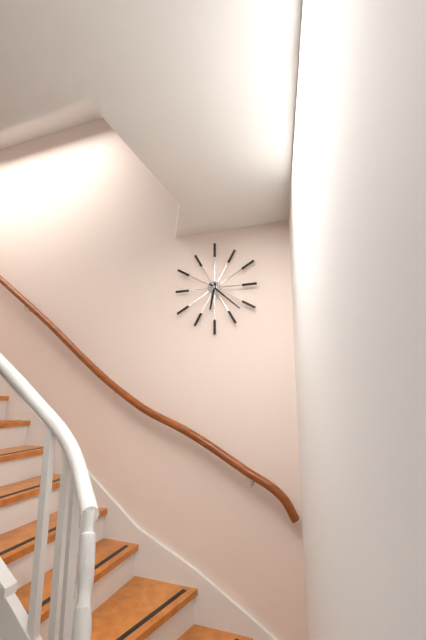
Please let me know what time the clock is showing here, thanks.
6:22
